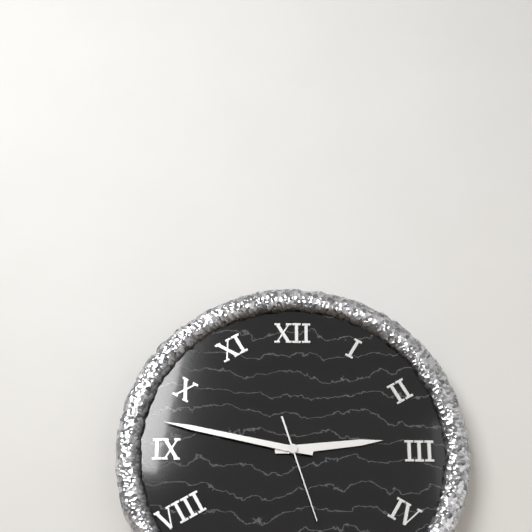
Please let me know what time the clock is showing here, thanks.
2:47:27
